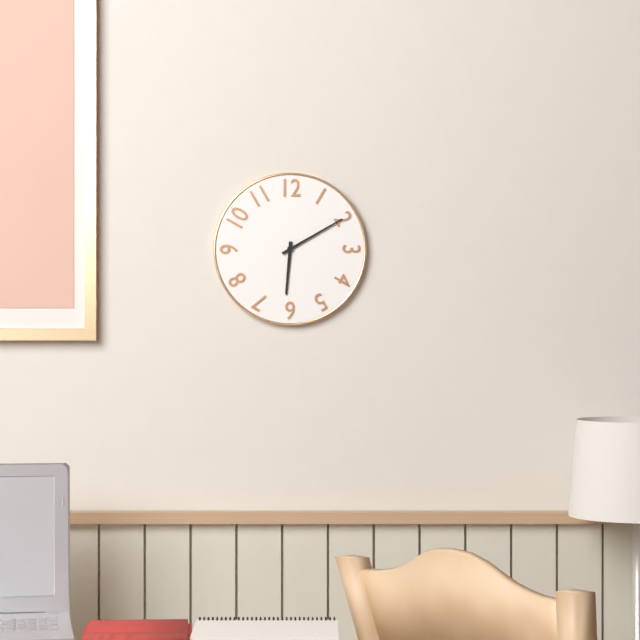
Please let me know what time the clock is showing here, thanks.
6:10
